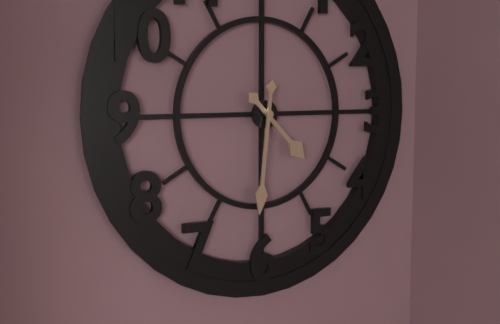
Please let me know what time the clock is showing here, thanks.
4:31
